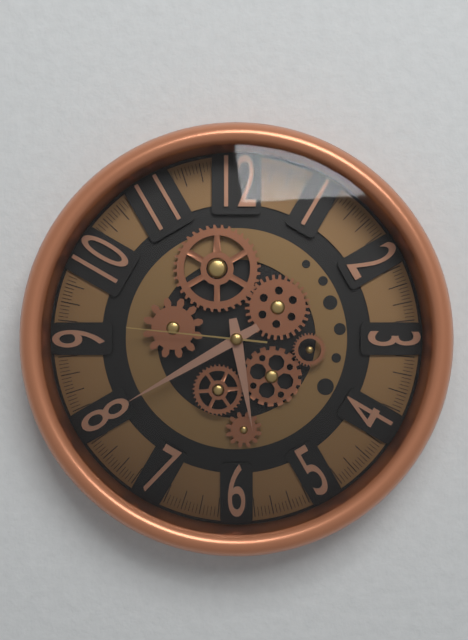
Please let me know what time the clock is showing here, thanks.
5:40:46
